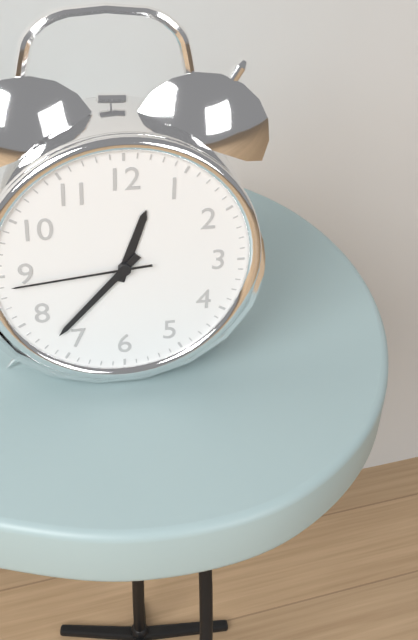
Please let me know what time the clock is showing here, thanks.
12:37:44
